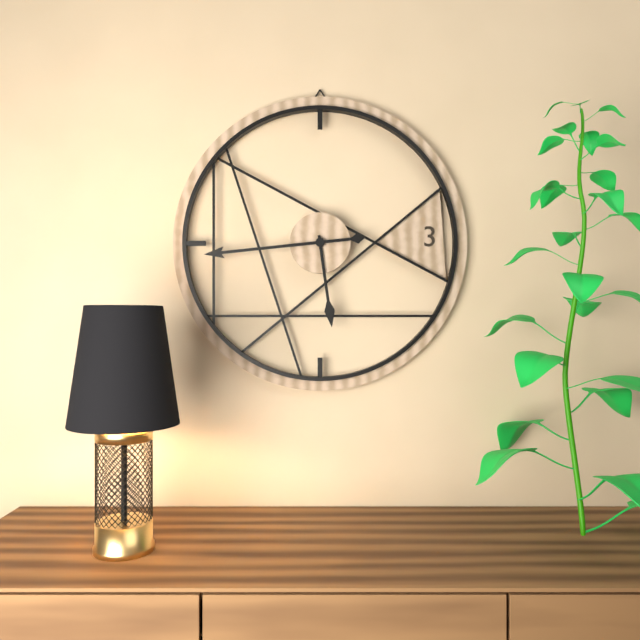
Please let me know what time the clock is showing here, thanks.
5:44
